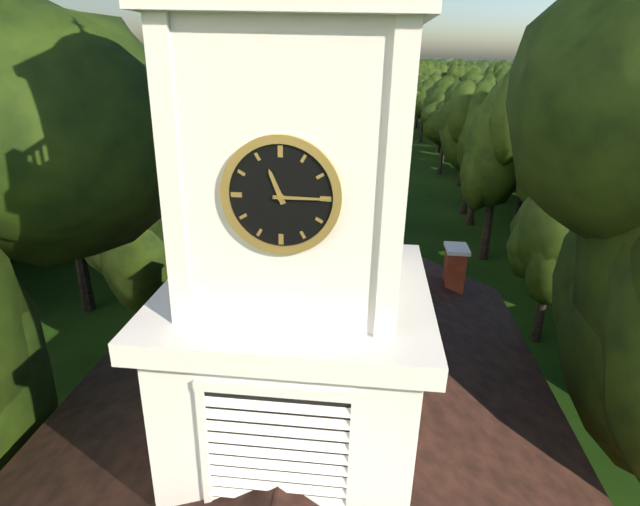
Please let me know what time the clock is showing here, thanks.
11:15
